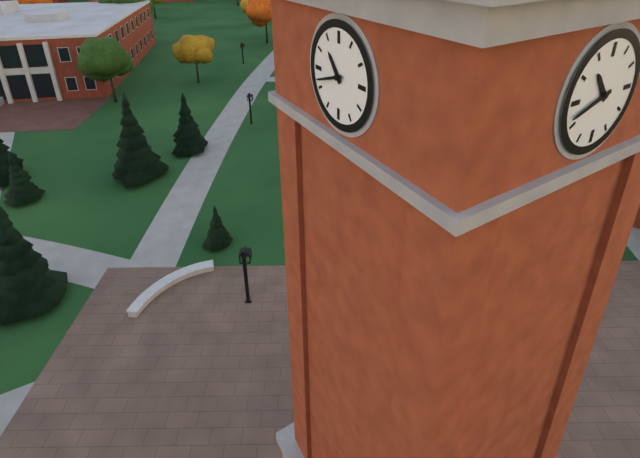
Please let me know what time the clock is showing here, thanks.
10:42
